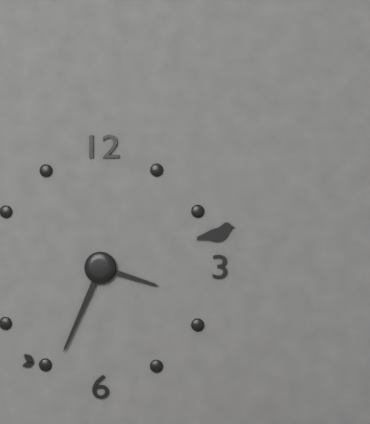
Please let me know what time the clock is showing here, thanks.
3:34
